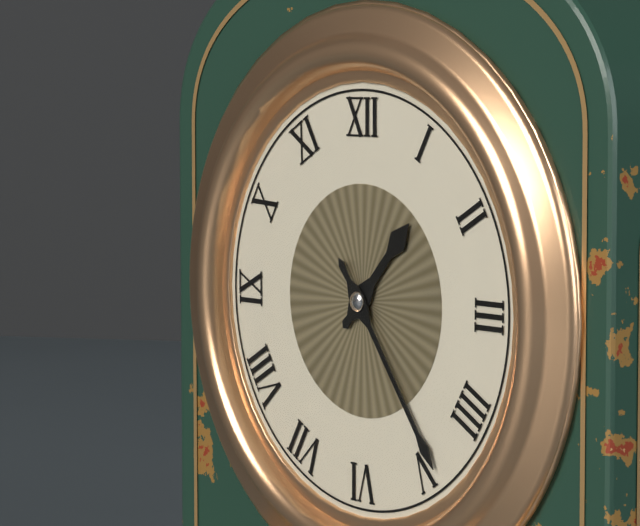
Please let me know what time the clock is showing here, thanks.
1:24
